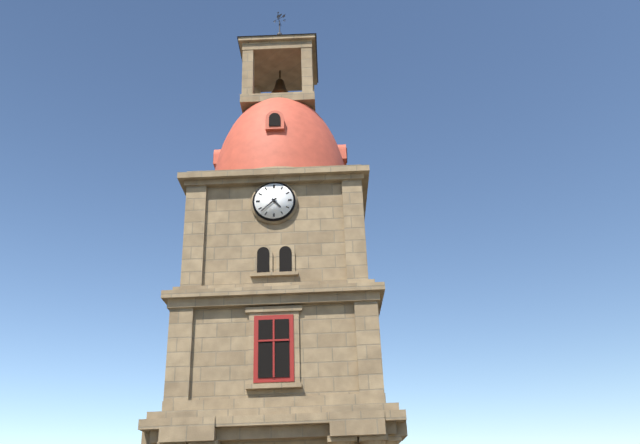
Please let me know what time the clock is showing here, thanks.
4:38
